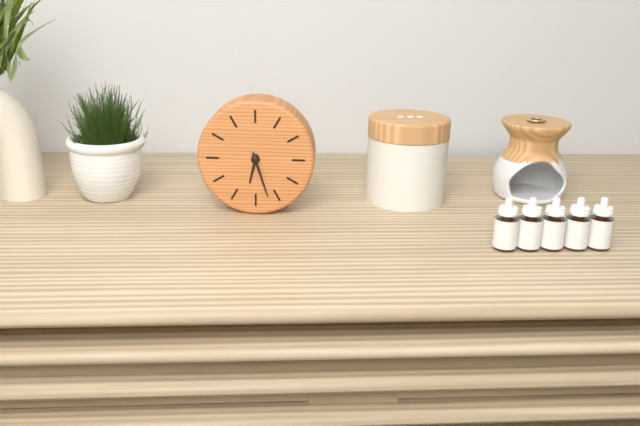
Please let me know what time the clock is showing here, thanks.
6:27
